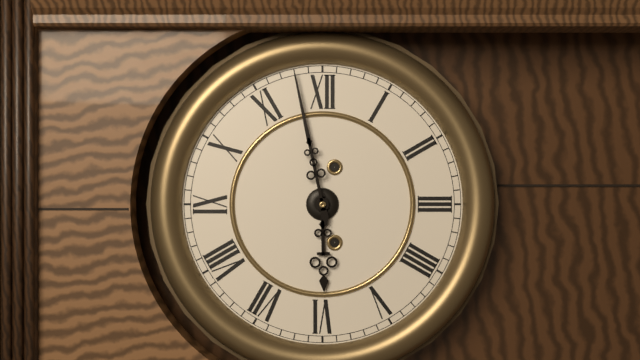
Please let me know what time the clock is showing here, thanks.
5:58
